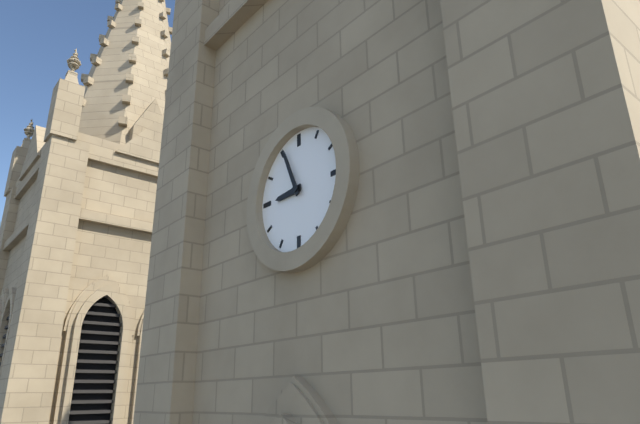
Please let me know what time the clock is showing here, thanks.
8:56
